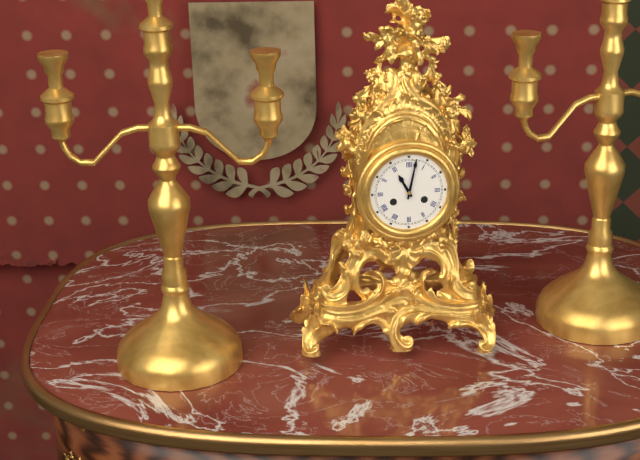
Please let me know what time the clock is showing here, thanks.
11:02
